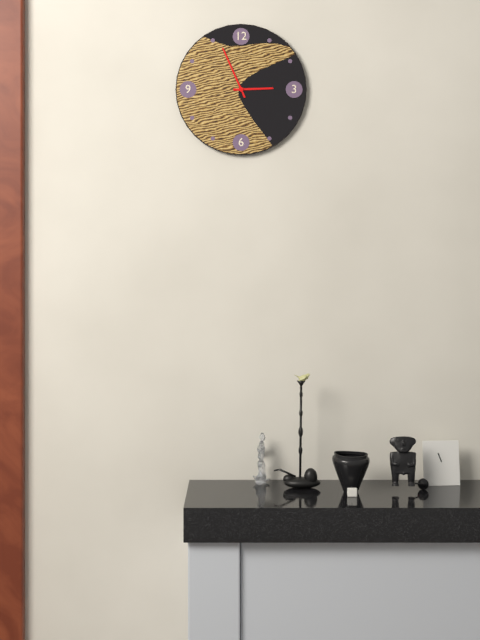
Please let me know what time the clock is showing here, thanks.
2:56
